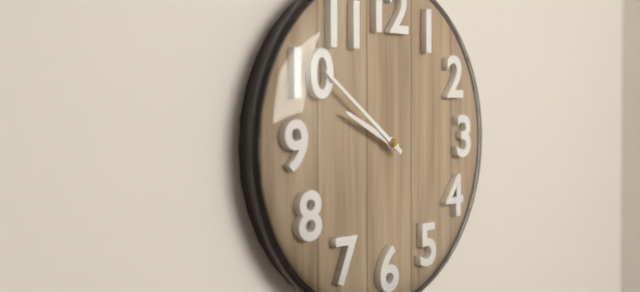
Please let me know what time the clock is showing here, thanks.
9:51
